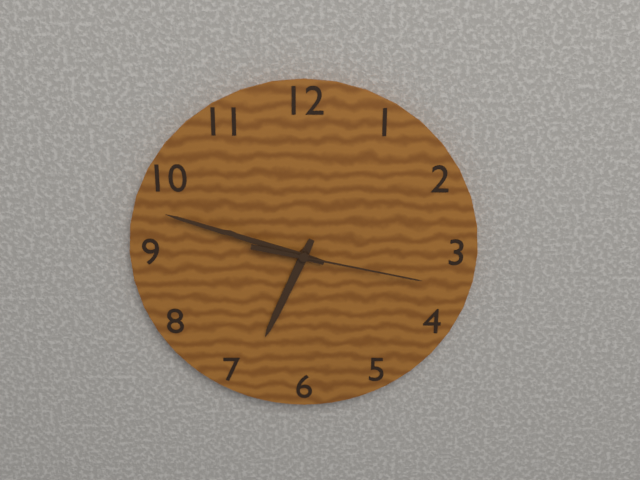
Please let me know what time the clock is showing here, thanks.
6:48:17
